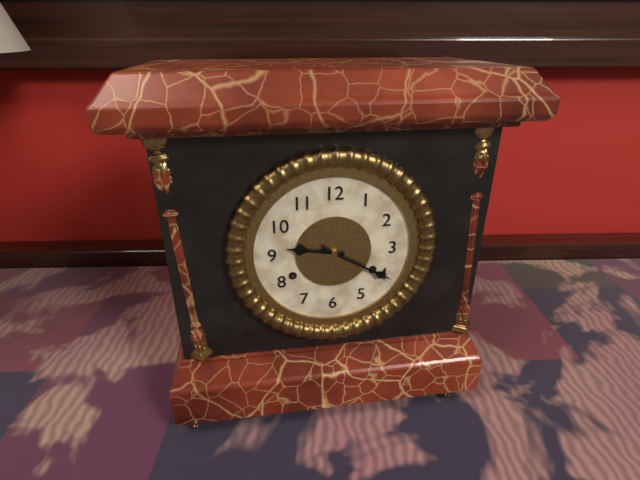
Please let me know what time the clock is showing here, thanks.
9:20
